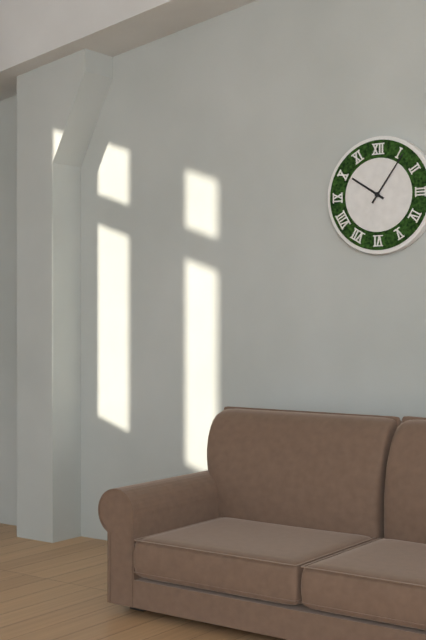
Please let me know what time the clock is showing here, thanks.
10:06
